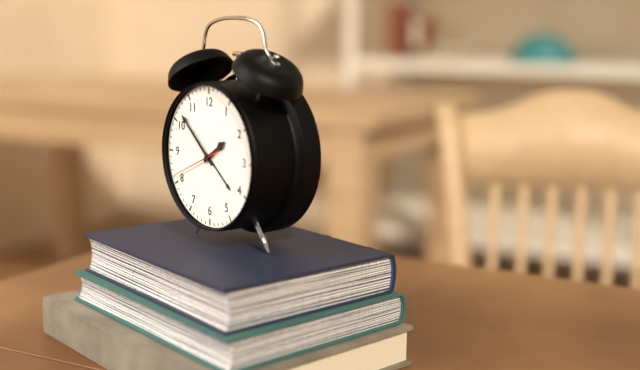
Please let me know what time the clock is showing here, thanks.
1:52:41
